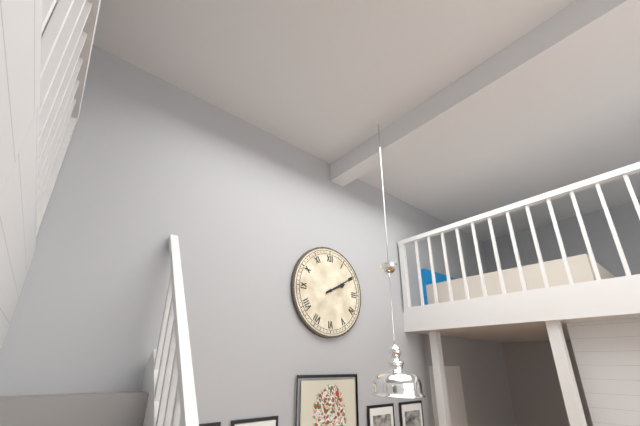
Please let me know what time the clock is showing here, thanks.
2:10
